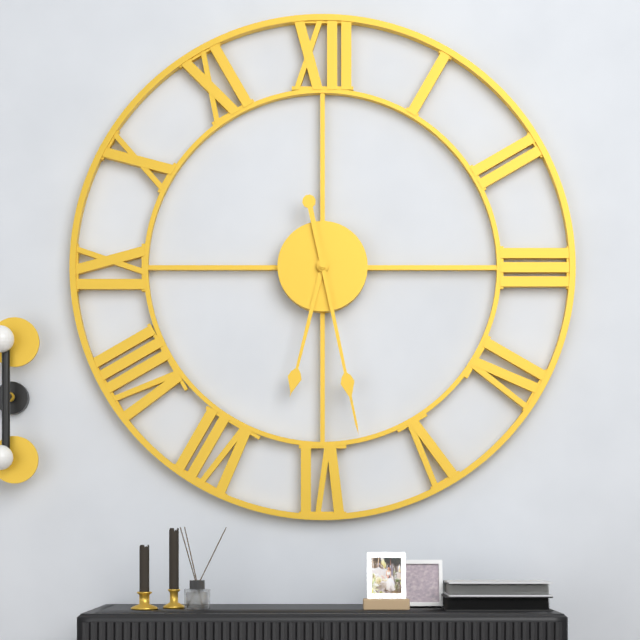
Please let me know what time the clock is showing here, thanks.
6:28
